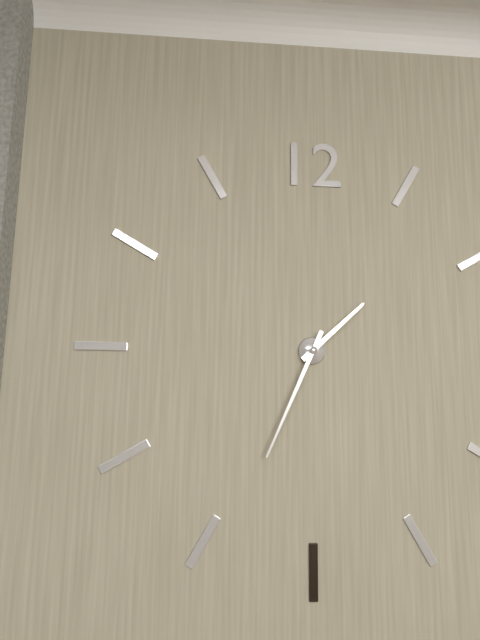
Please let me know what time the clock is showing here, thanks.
1:34
